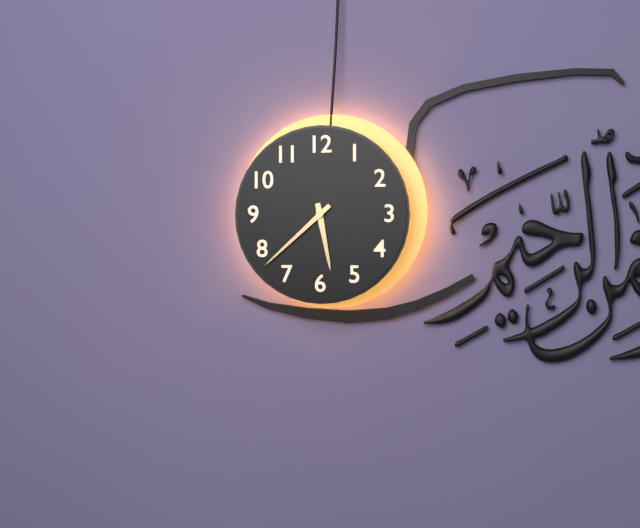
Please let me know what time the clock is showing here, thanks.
5:38
